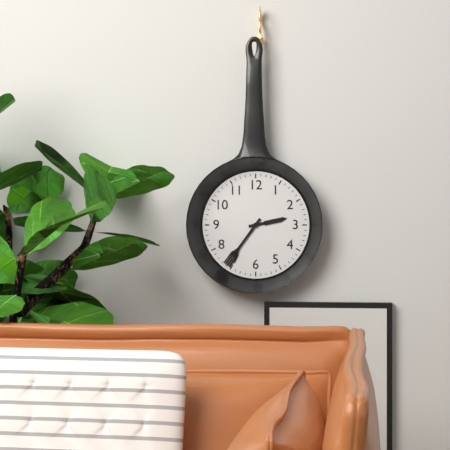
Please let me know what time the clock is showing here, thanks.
2:36
